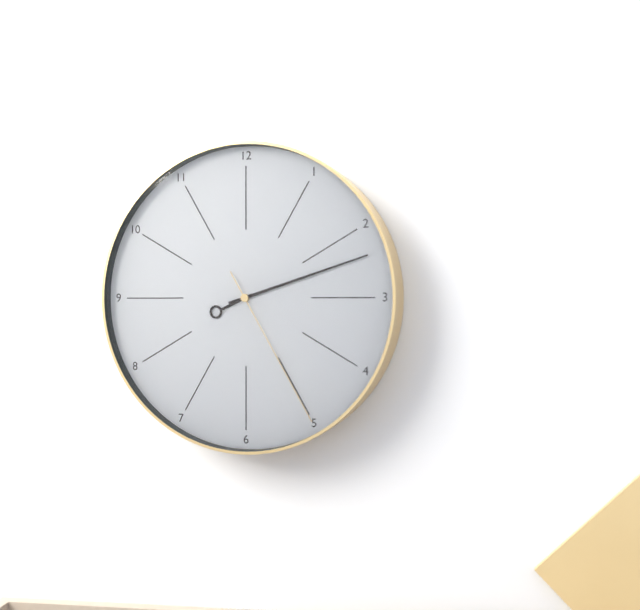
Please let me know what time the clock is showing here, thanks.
8:12:25
